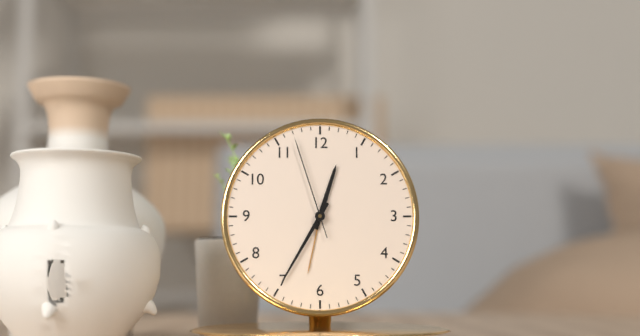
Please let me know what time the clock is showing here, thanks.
12:35:57
